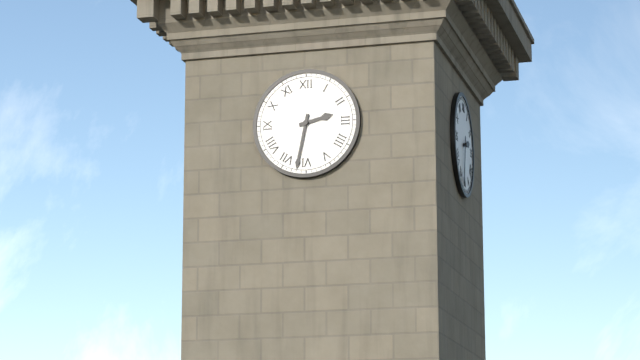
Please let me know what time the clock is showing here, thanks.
2:32
